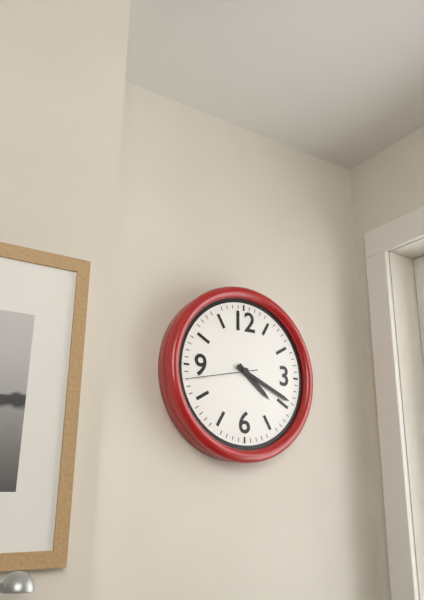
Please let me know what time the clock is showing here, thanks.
4:19:43
